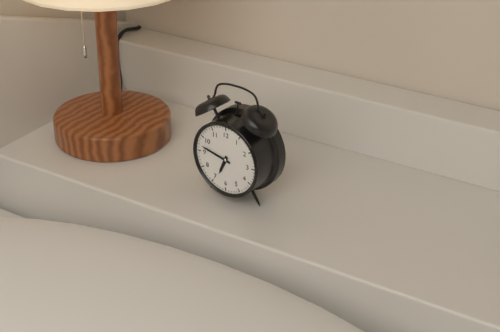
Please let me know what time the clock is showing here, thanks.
6:47
